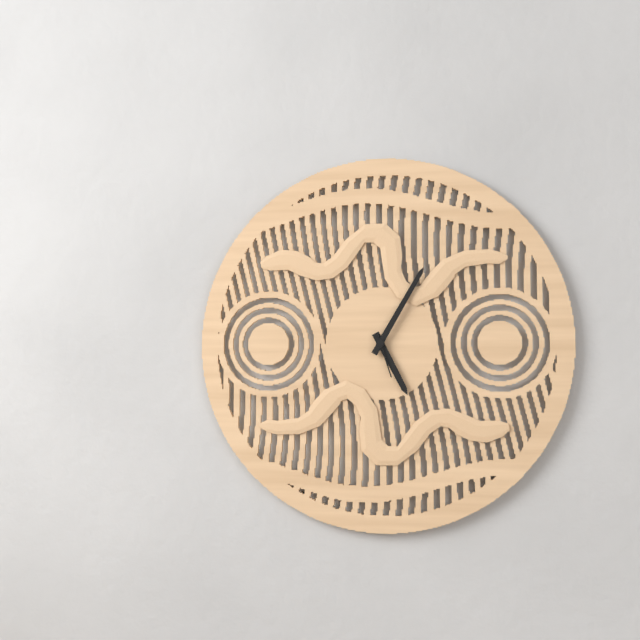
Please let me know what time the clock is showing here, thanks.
5:05
